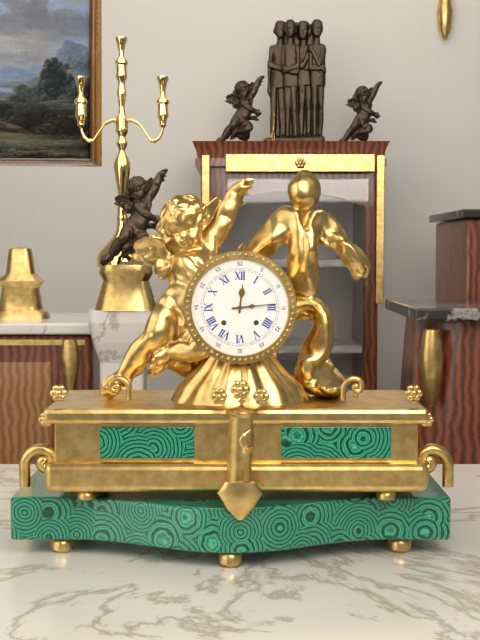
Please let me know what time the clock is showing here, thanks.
12:14
